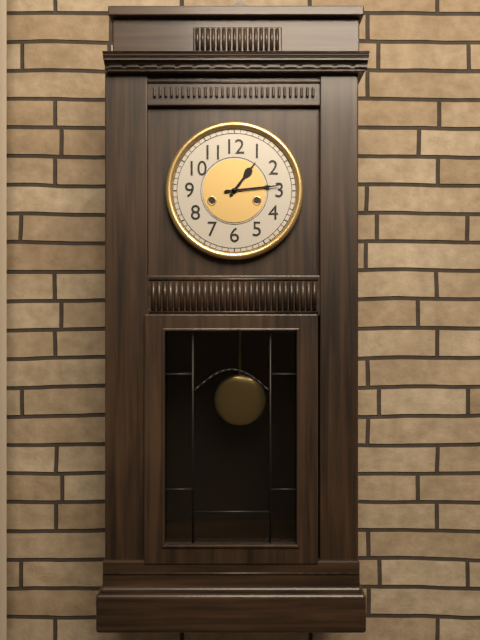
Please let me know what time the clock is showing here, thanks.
1:14
